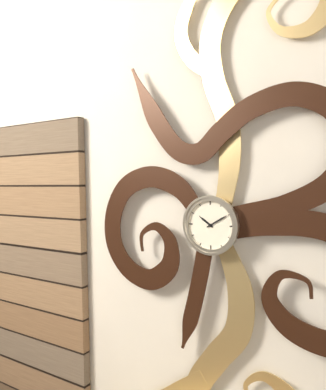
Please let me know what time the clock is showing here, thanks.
10:10
